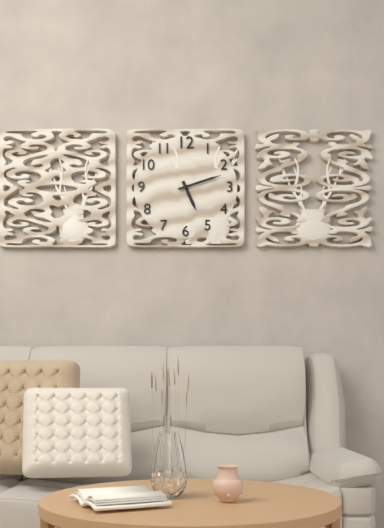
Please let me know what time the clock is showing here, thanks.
5:12
